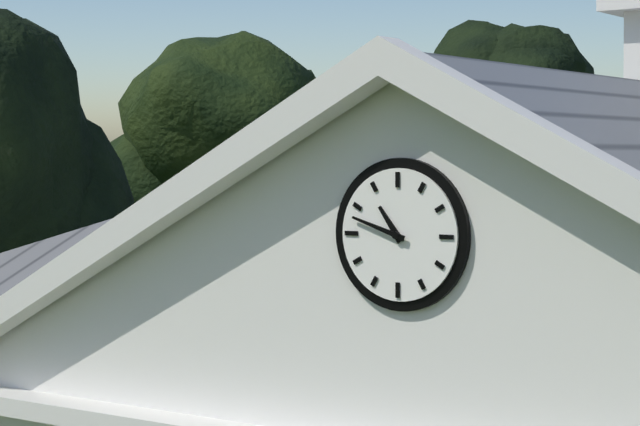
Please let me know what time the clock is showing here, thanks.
10:48
